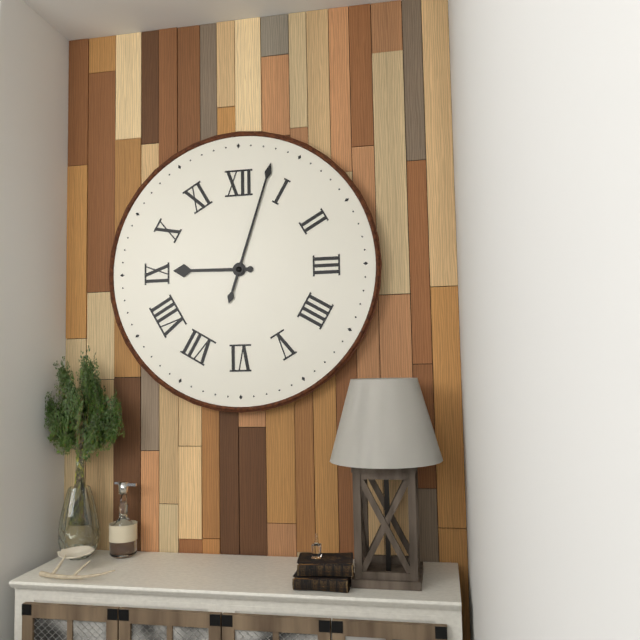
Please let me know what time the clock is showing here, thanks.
9:03
